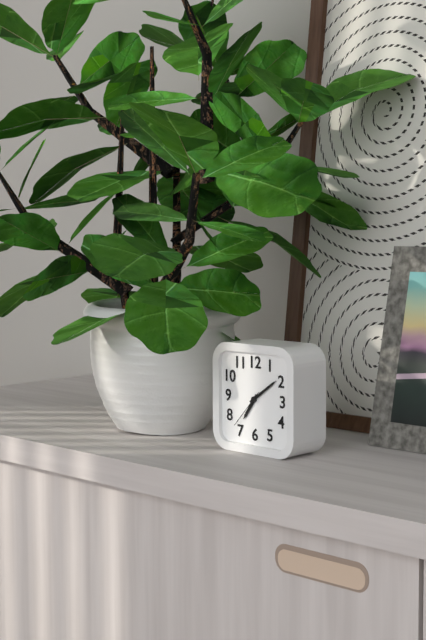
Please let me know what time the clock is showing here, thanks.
7:09
